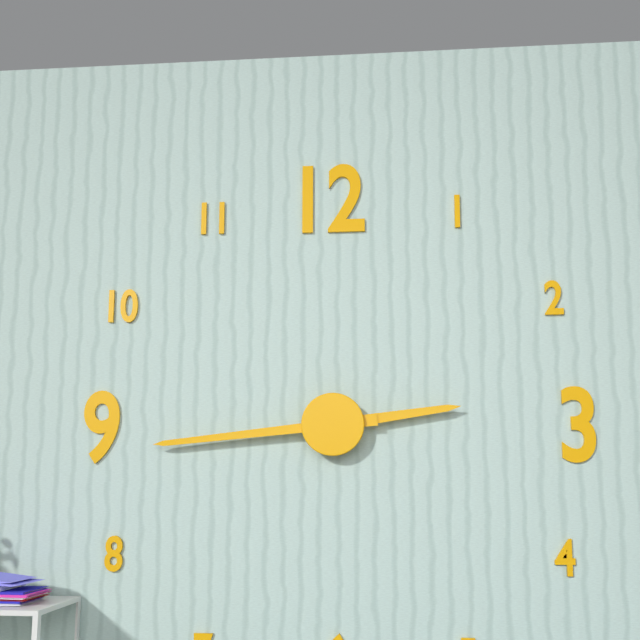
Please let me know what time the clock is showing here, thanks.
2:44
